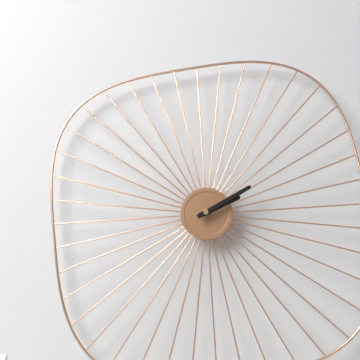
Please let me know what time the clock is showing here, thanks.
2:10
